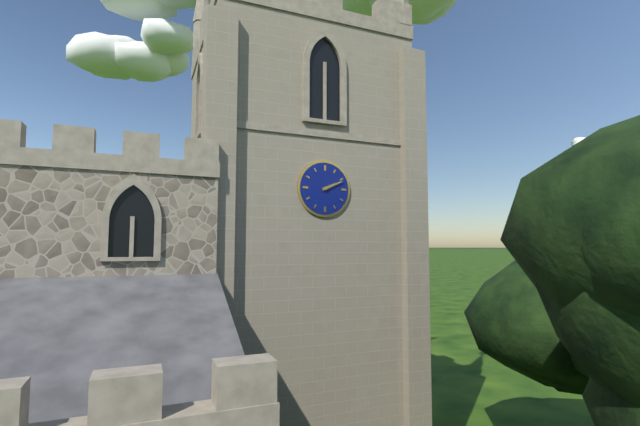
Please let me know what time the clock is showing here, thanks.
2:11
